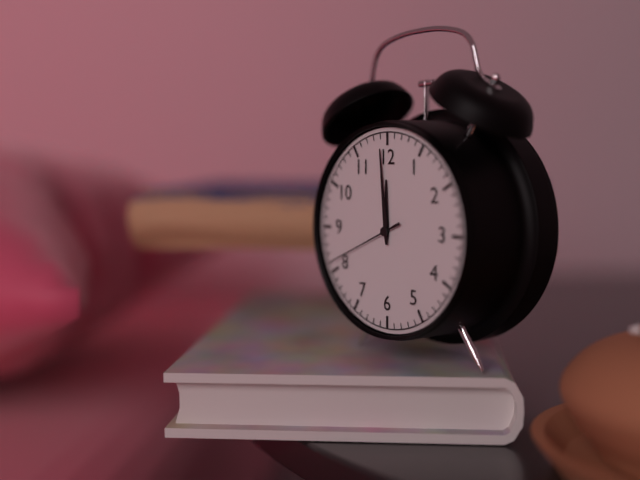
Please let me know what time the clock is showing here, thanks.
11:59:41
